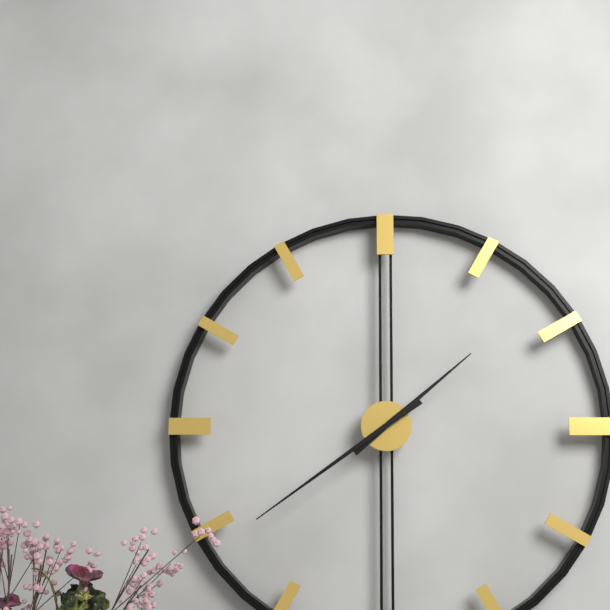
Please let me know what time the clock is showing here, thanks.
1:39
